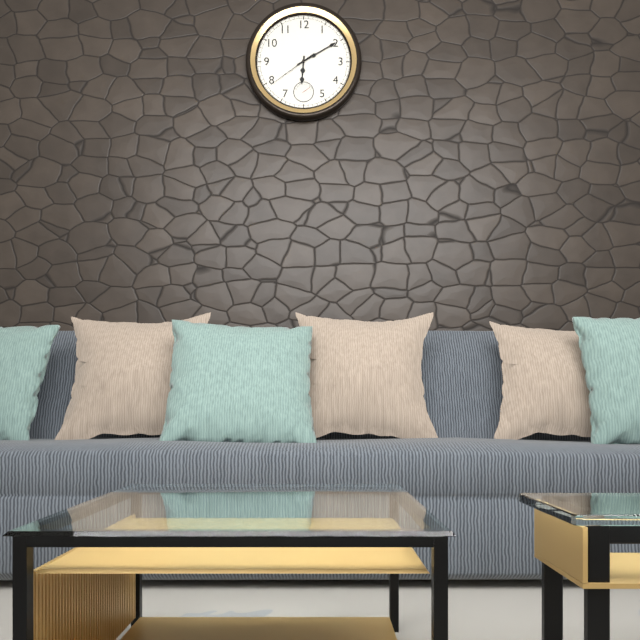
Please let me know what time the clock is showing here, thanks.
6:10:39
